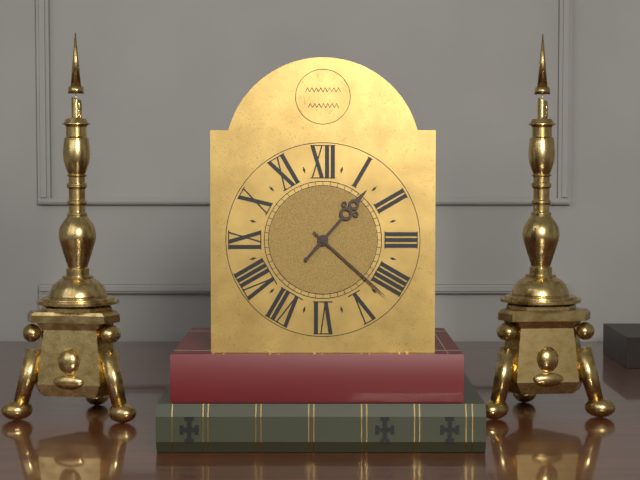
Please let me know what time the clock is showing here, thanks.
1:22
